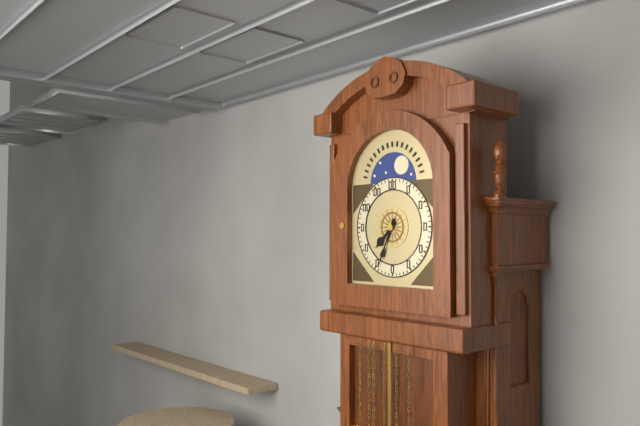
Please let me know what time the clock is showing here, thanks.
7:34
